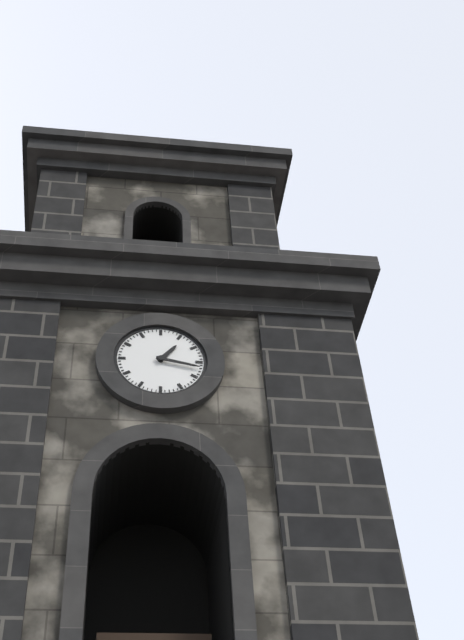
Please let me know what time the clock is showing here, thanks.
1:17
